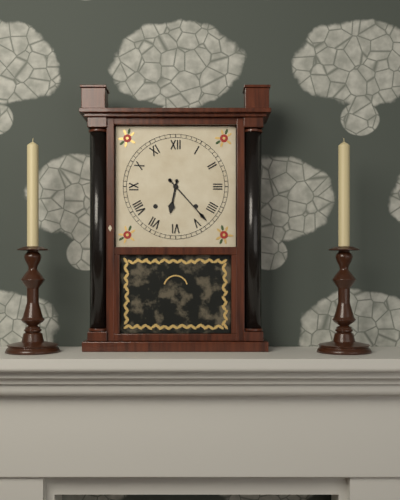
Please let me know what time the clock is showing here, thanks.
6:23
